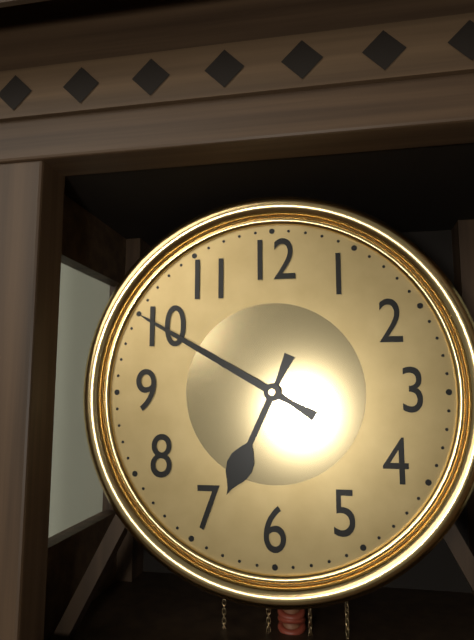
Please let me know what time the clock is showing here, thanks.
6:50
